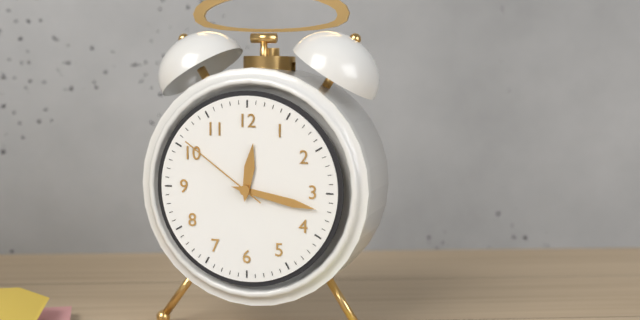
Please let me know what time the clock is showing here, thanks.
12:17:51
